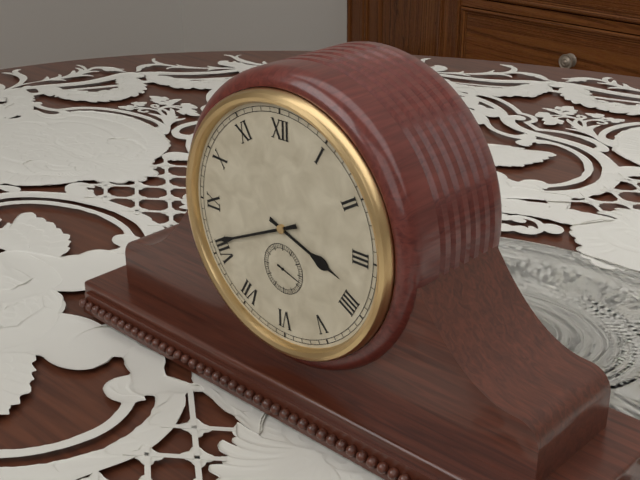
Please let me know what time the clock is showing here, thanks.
3:41:18
